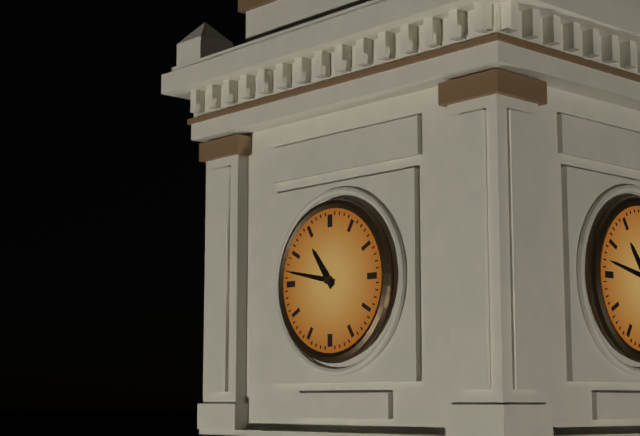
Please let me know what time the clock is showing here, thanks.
10:47
